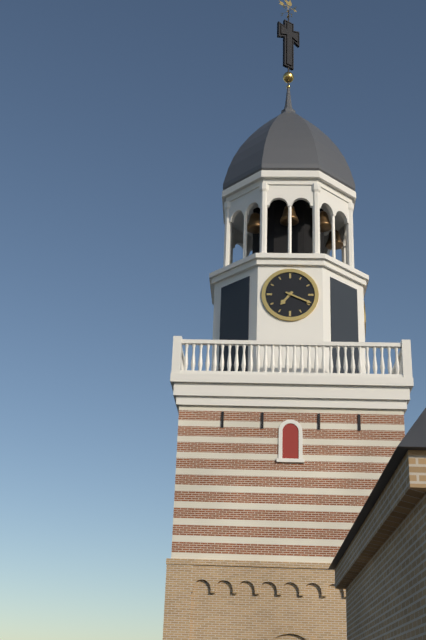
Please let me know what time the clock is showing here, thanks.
7:19
